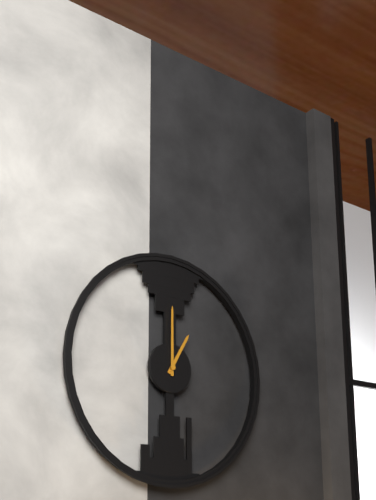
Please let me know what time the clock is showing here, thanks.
1:00
